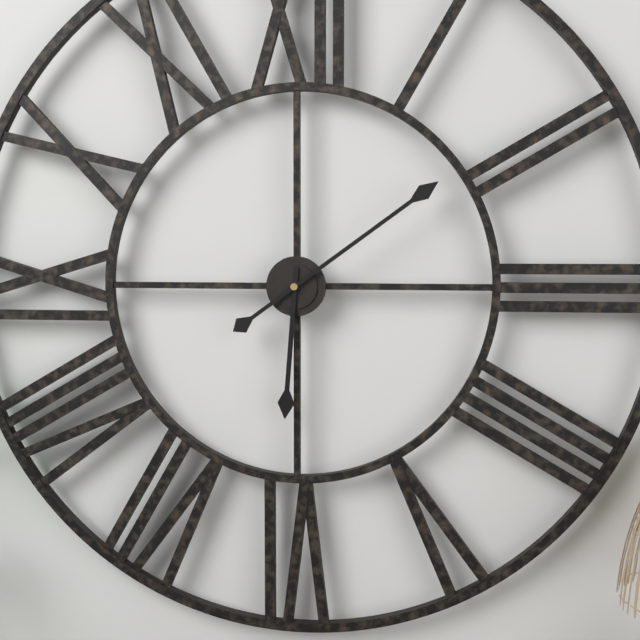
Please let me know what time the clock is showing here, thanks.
6:09
